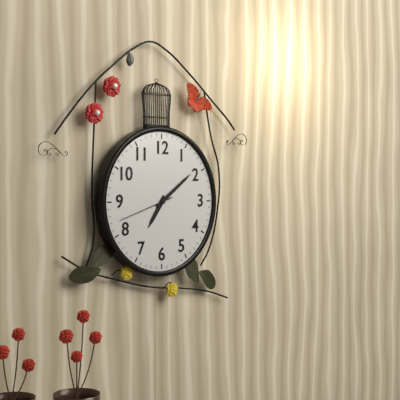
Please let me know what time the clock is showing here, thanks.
7:09:42
